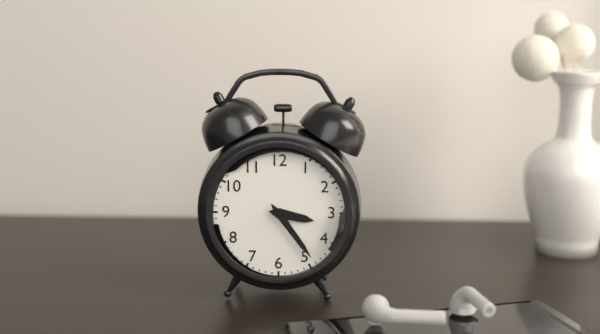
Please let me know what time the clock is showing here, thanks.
3:24
